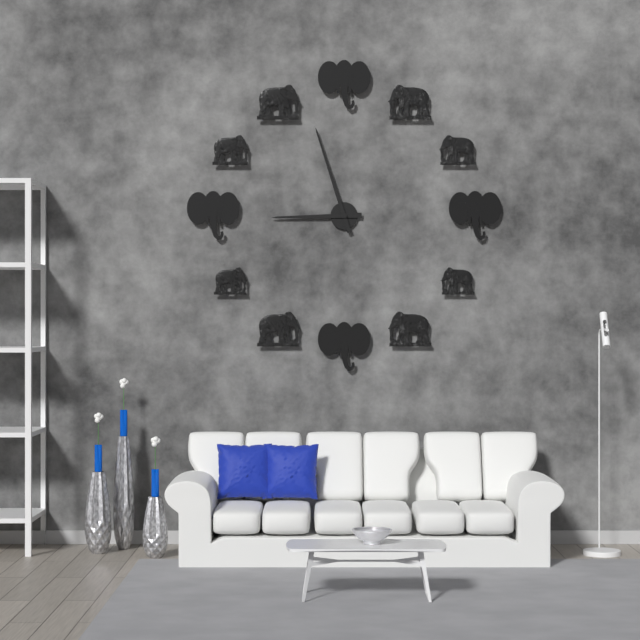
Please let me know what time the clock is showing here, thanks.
8:57
